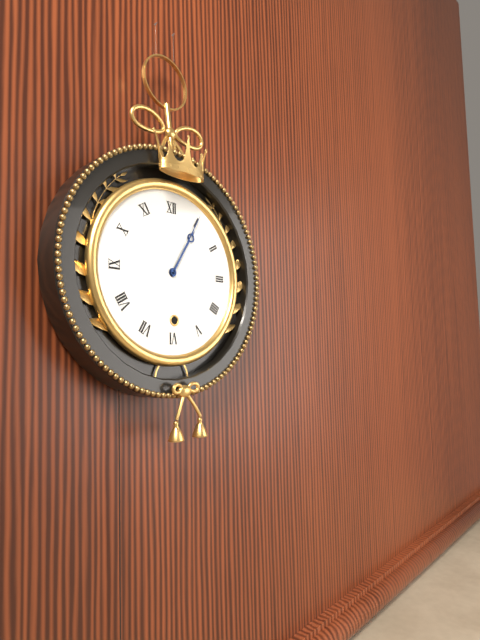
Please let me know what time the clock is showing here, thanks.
1:05
